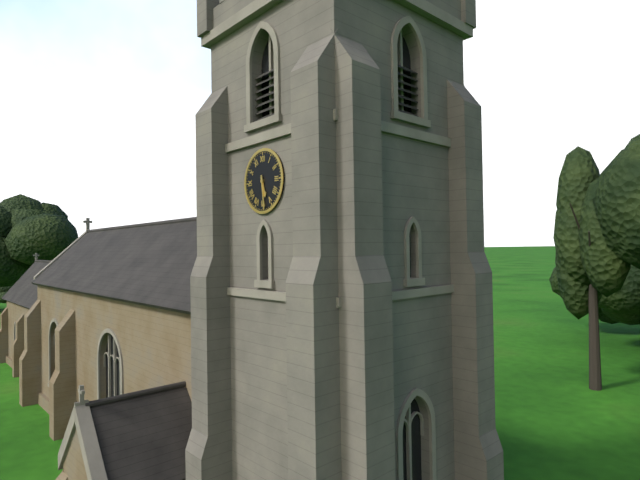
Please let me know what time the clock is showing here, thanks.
5:29
